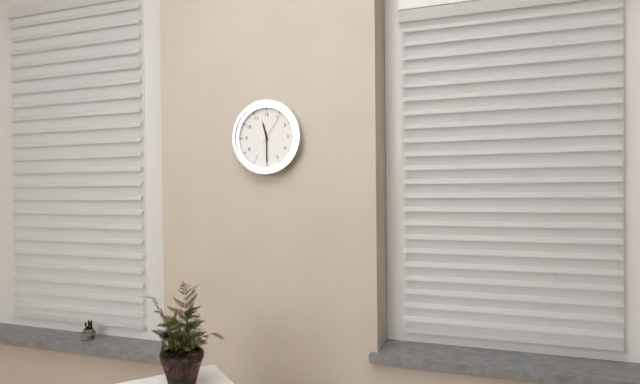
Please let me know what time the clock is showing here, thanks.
11:30
